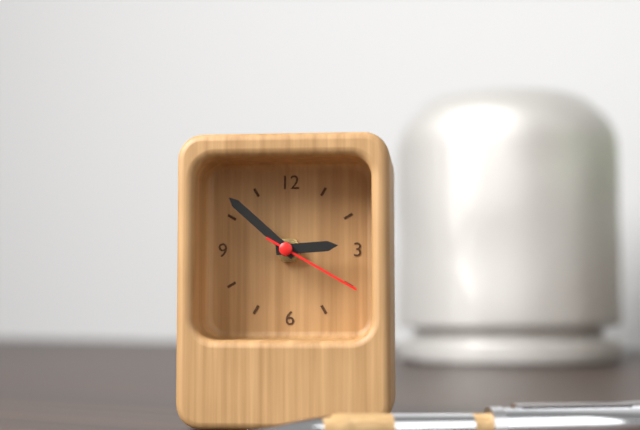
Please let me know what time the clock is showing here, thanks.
2:52:20
